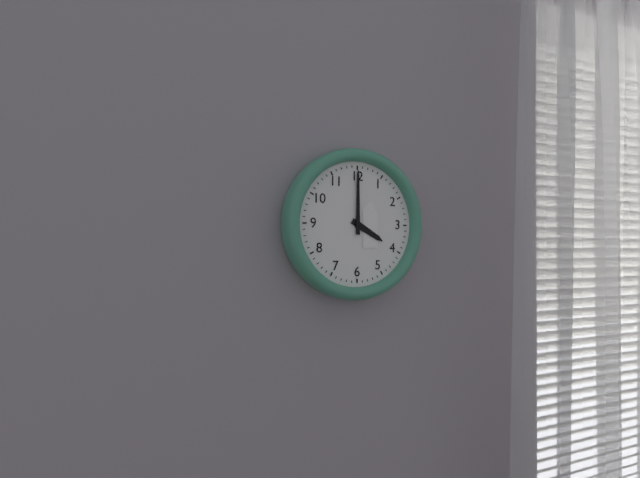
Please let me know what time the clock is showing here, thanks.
4:00
